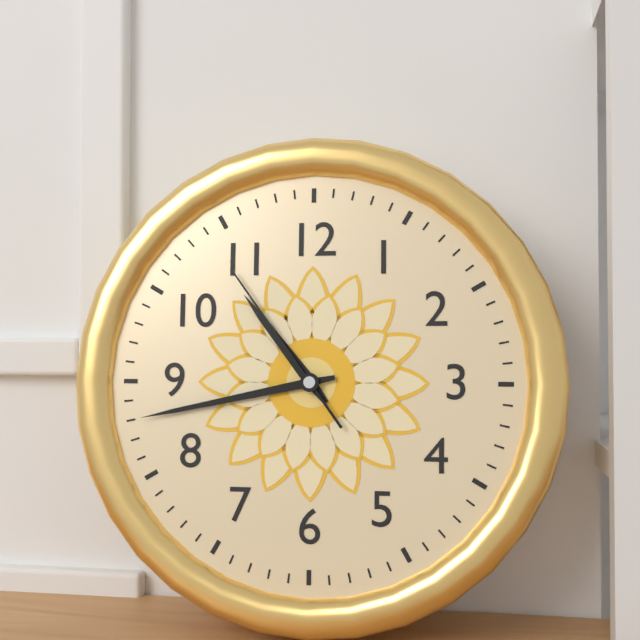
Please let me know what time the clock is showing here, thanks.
10:43:54
